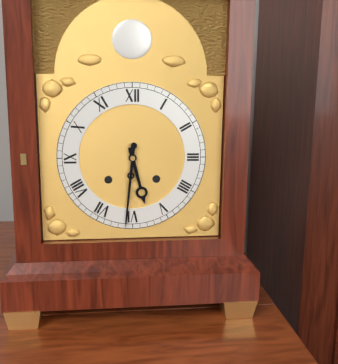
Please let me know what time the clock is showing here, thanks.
5:31
